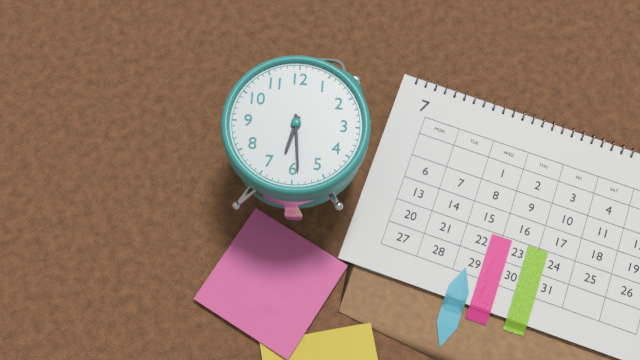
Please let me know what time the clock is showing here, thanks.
6:29
